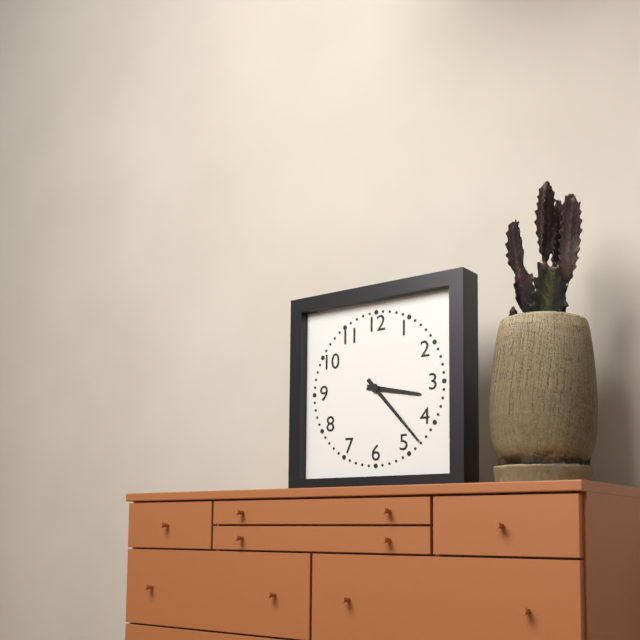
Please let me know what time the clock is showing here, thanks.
3:23
